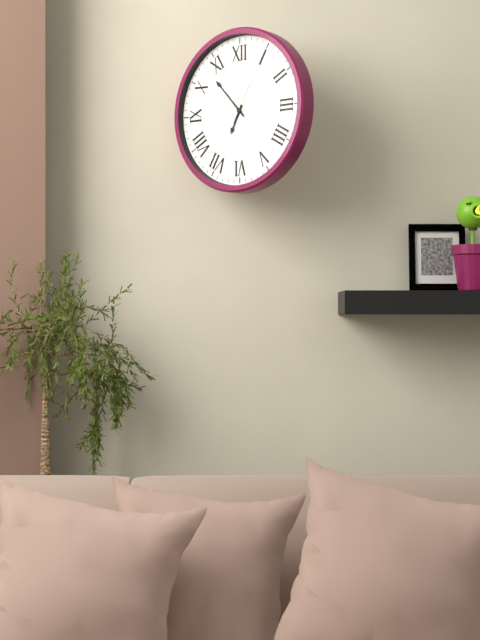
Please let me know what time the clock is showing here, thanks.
6:53:05
